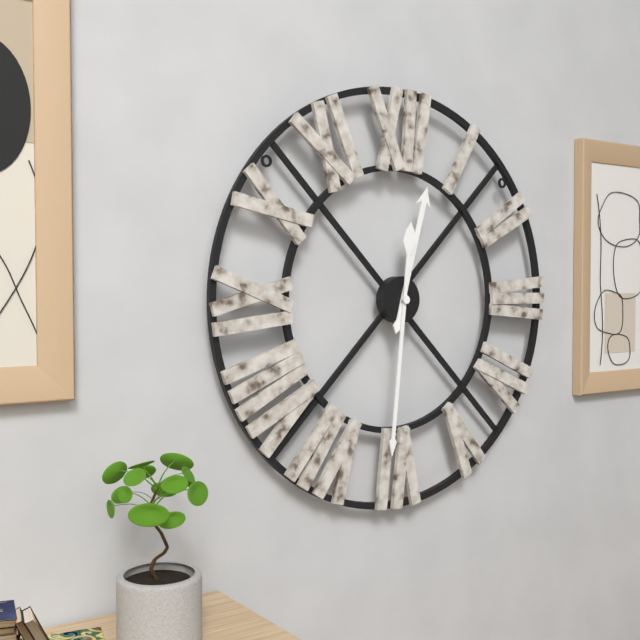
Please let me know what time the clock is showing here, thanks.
12:31
